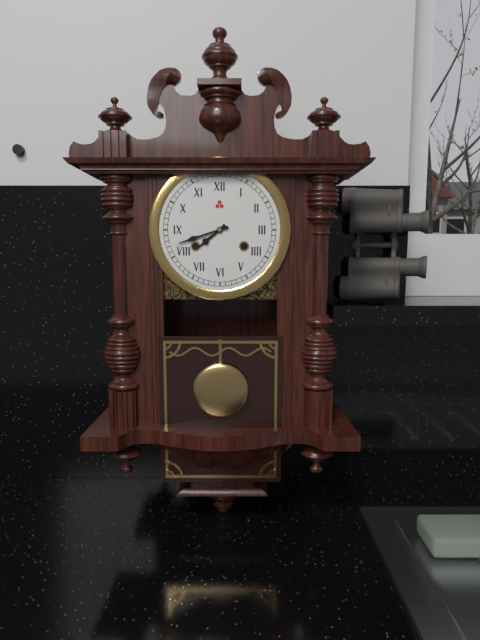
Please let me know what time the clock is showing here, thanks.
7:42
